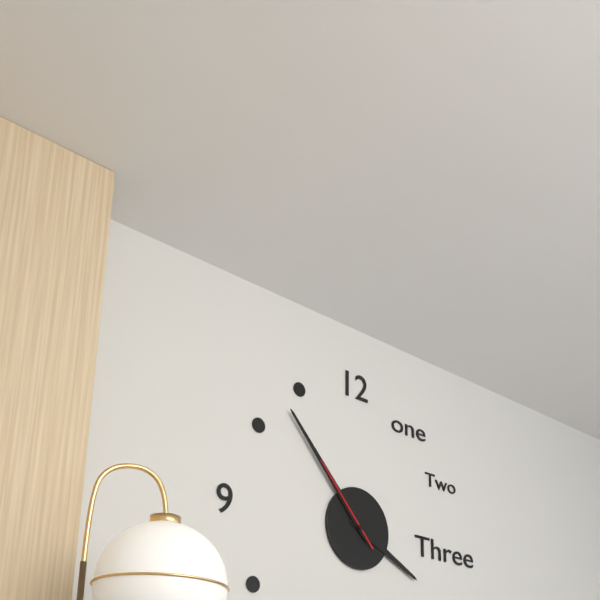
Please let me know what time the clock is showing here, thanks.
3:53:53
